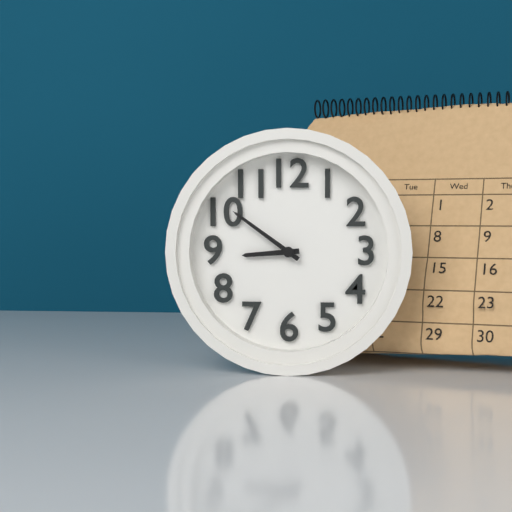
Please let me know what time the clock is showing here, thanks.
8:51
